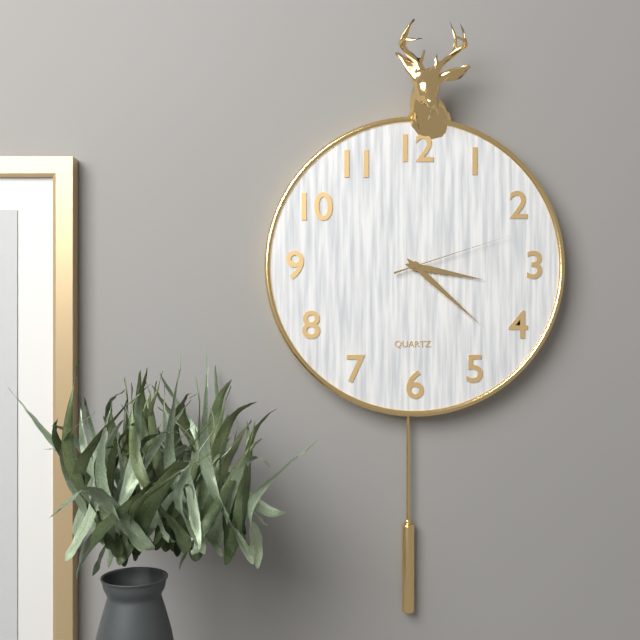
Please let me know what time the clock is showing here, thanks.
3:22:12
